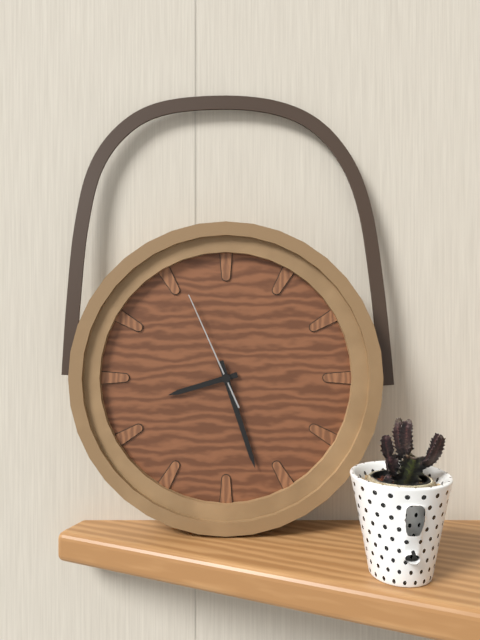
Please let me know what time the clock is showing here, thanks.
8:27:56
